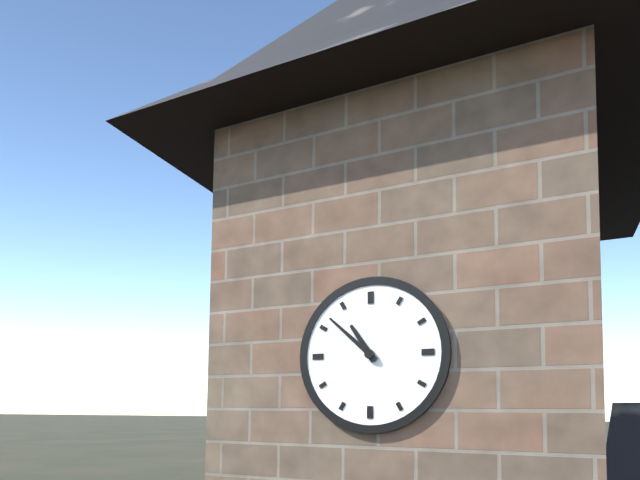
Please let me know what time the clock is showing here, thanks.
10:52
